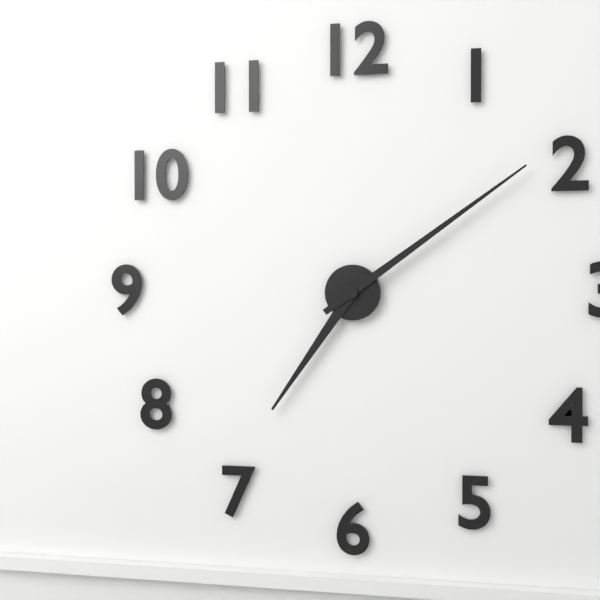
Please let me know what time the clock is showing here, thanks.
7:09
